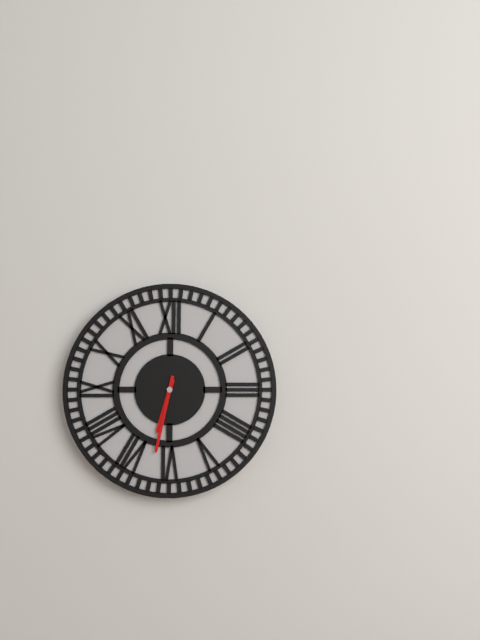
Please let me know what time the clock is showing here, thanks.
6:32
